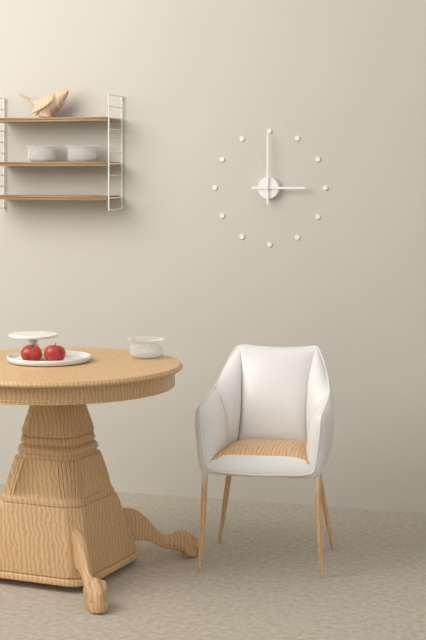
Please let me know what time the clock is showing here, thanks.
3:00
